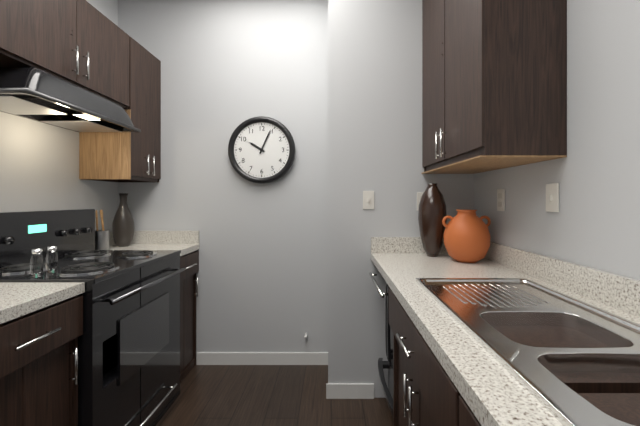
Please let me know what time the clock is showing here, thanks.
10:04
